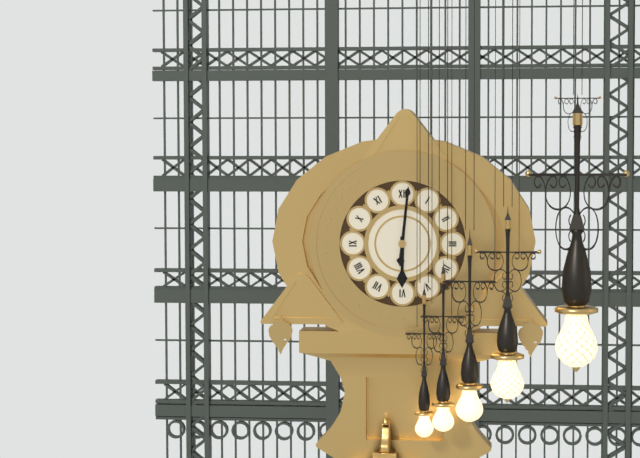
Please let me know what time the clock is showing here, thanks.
6:01
